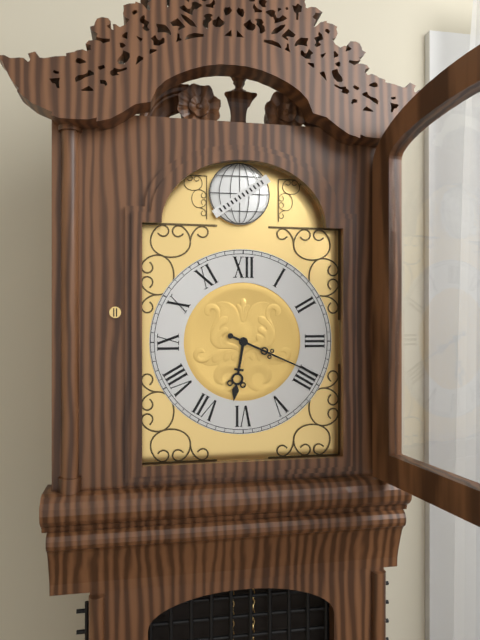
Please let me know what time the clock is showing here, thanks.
6:19
